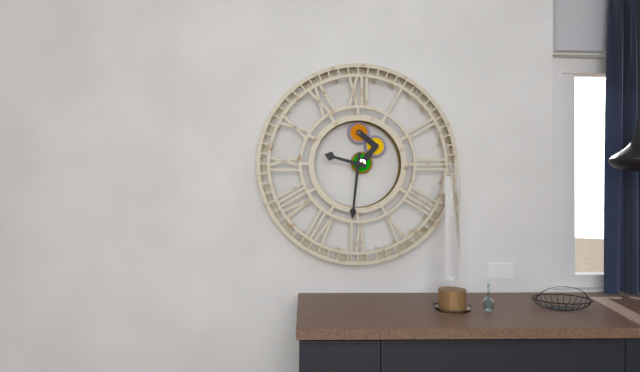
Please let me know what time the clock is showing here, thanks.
9:31
